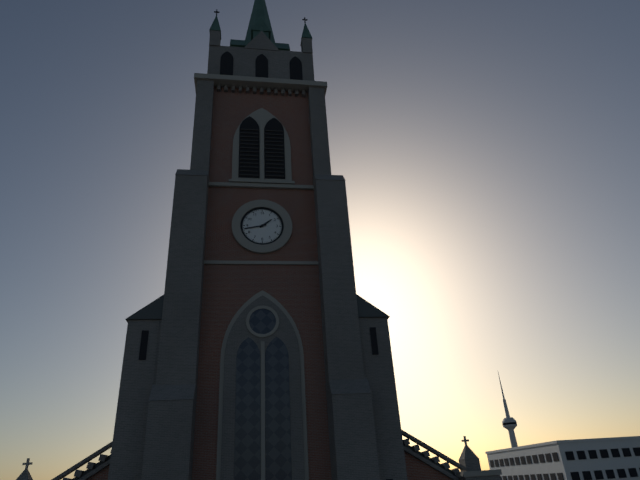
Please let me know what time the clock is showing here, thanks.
1:43
